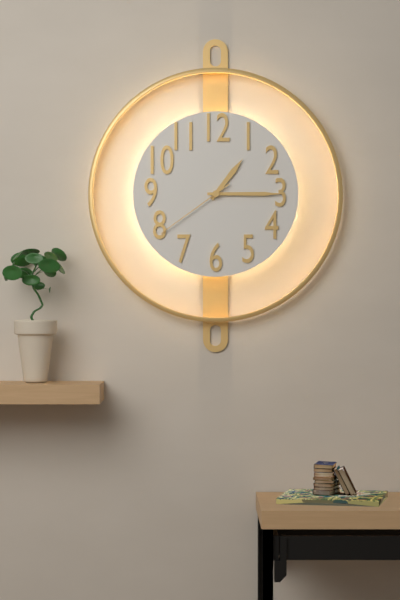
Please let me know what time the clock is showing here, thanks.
1:15:39
